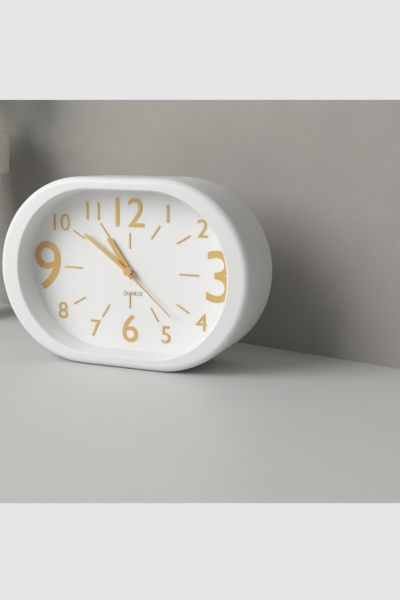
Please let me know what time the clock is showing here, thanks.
10:51:22
